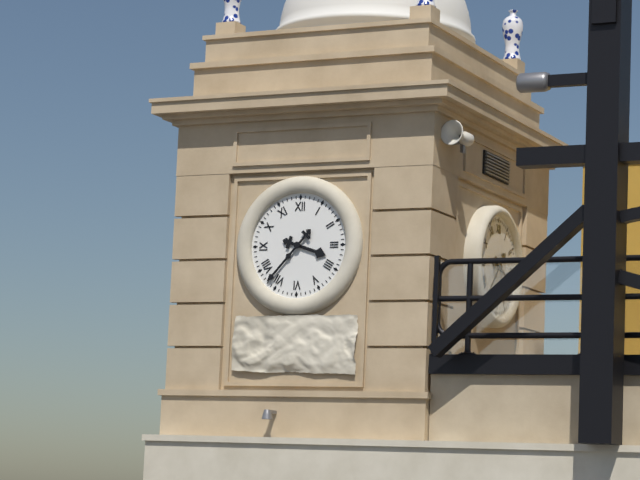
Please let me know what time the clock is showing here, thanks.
3:37
